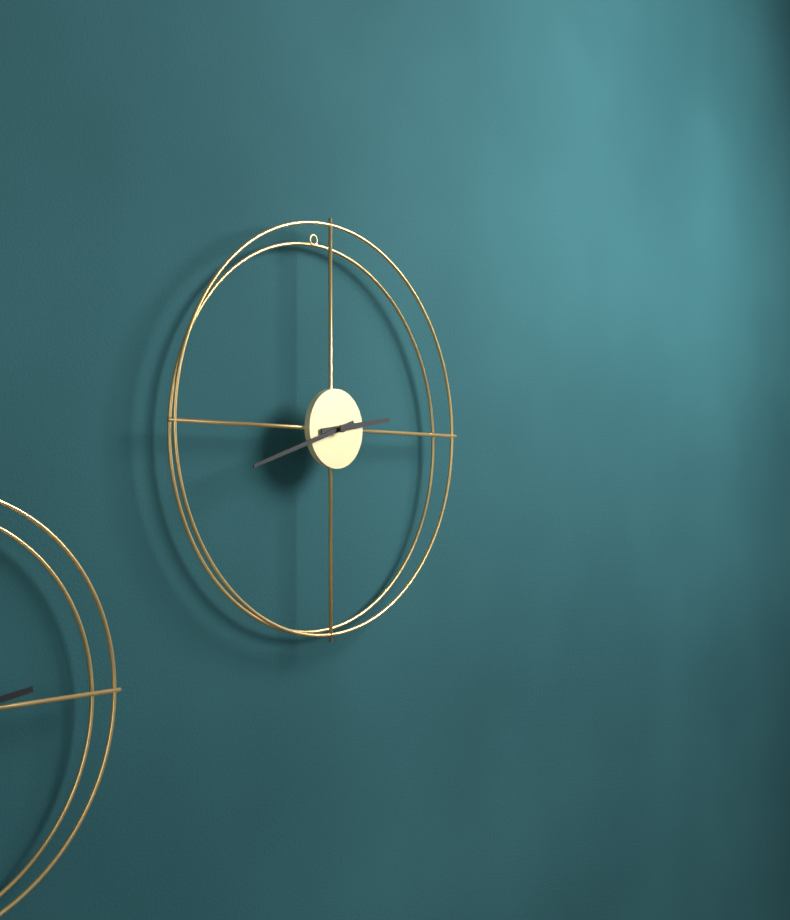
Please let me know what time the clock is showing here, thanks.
2:42
